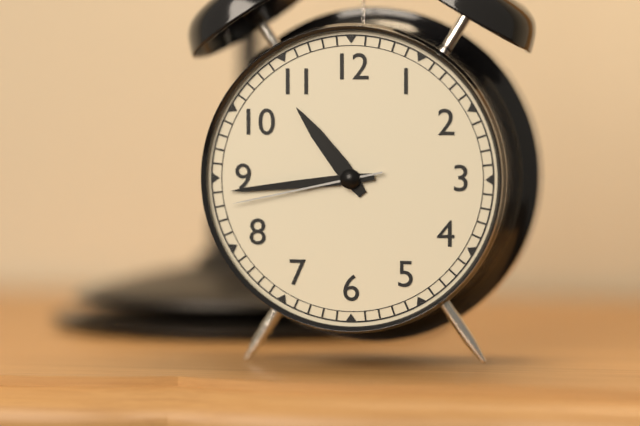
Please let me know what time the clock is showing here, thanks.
10:44:43
